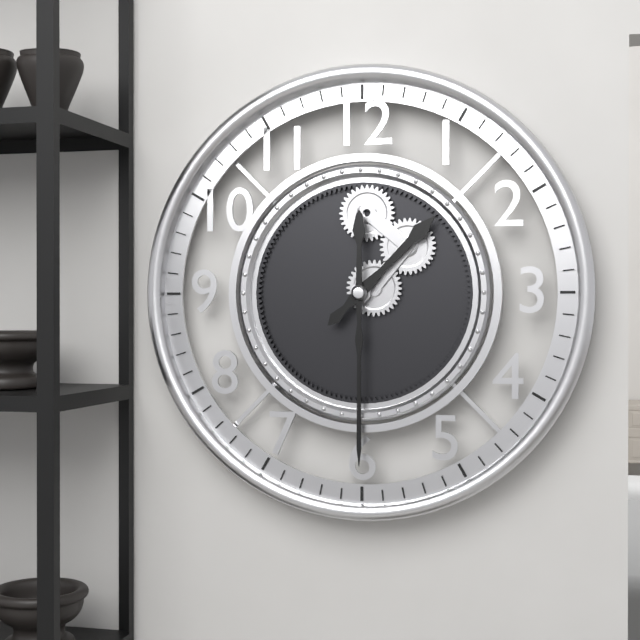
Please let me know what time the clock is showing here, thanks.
1:30
